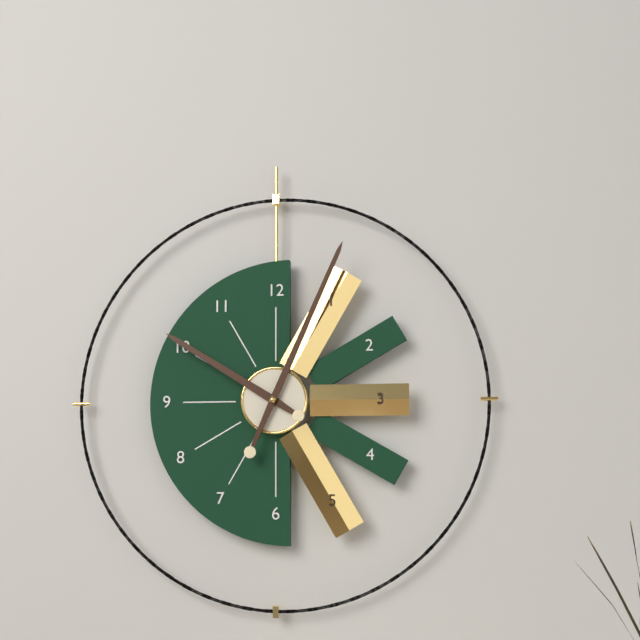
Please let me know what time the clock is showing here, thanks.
10:04
